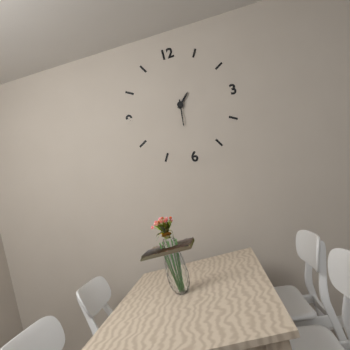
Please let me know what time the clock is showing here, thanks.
1:31
